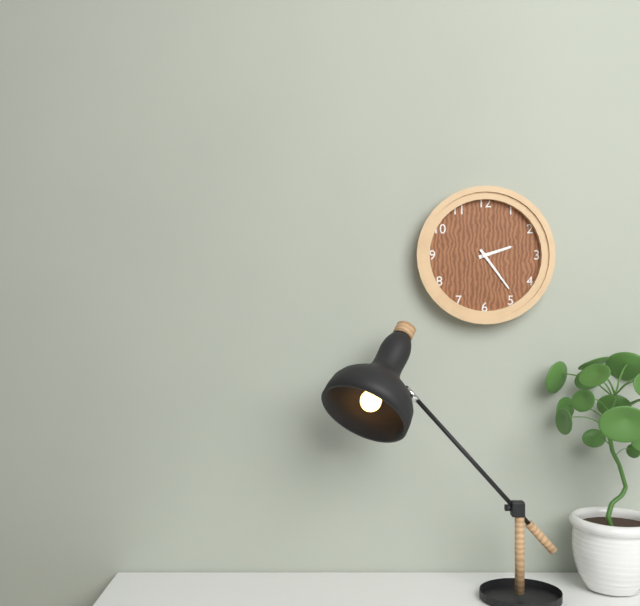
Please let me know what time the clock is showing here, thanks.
2:24
